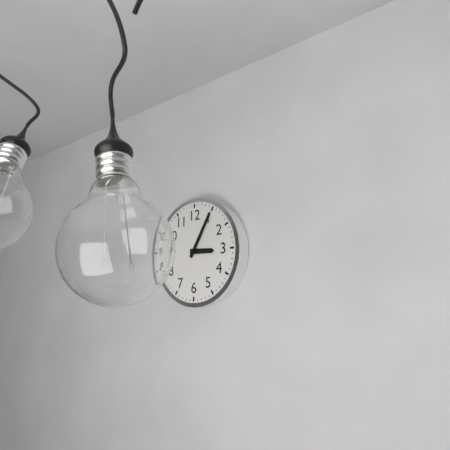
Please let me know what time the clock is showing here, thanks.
3:05
